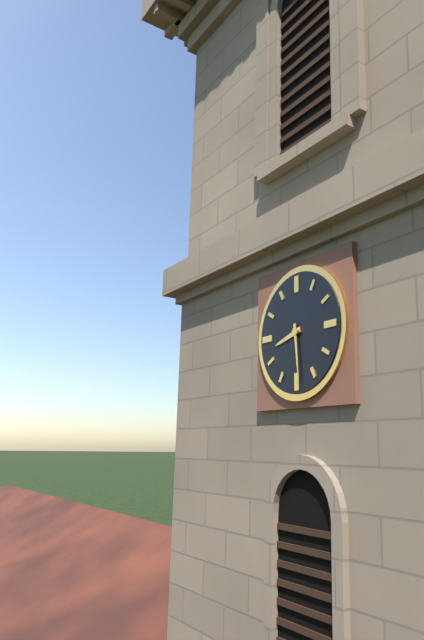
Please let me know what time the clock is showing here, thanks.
8:29
